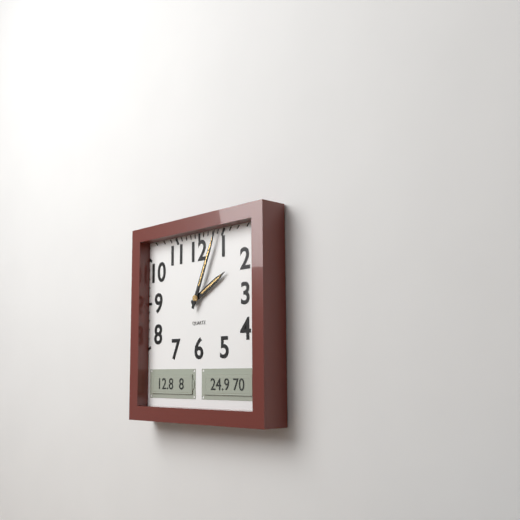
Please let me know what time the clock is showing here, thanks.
2:04
